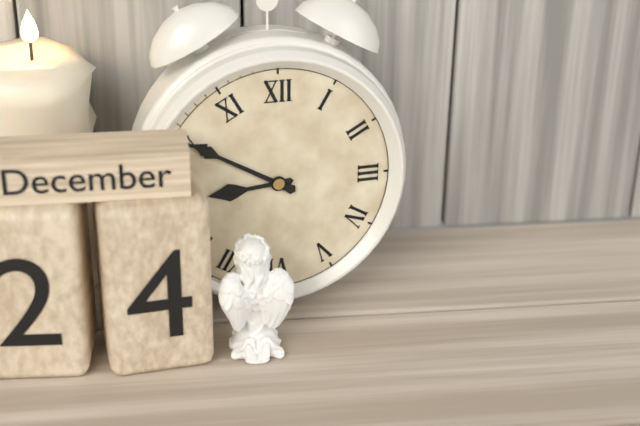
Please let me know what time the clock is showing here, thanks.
8:50
